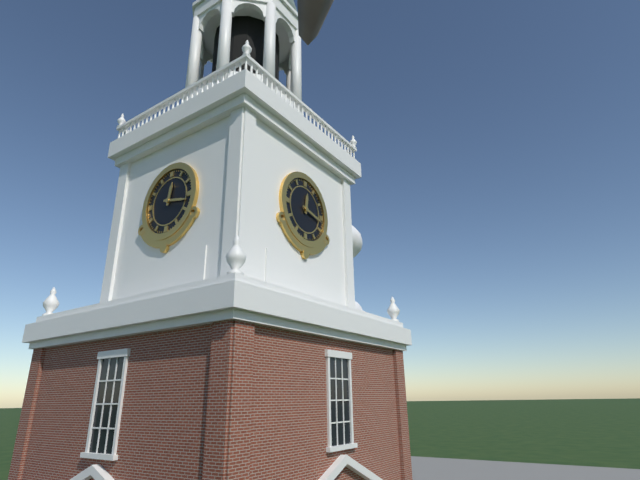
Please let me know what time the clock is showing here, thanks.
12:17
